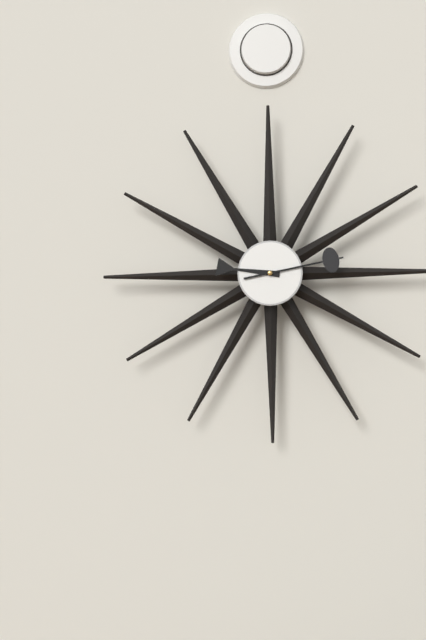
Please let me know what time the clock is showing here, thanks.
9:13
